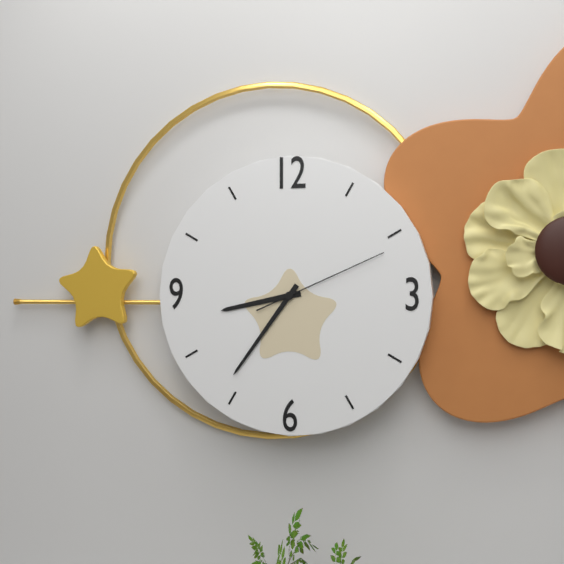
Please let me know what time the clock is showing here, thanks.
8:36:11
